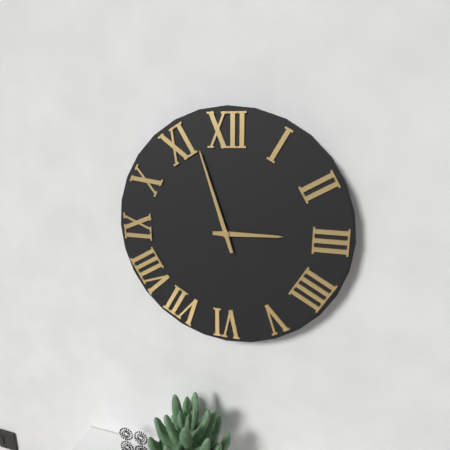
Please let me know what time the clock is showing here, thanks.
2:57
